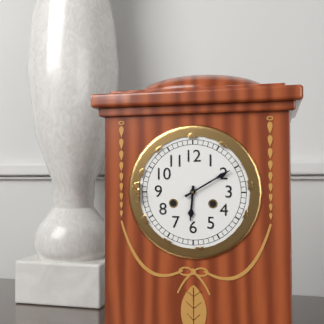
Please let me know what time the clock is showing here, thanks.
6:10
